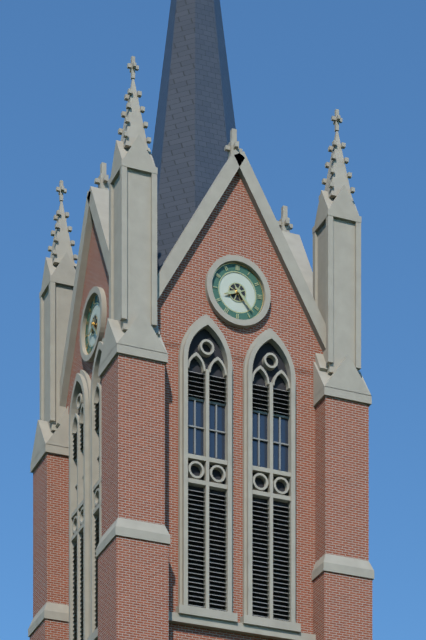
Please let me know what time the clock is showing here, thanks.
8:23
